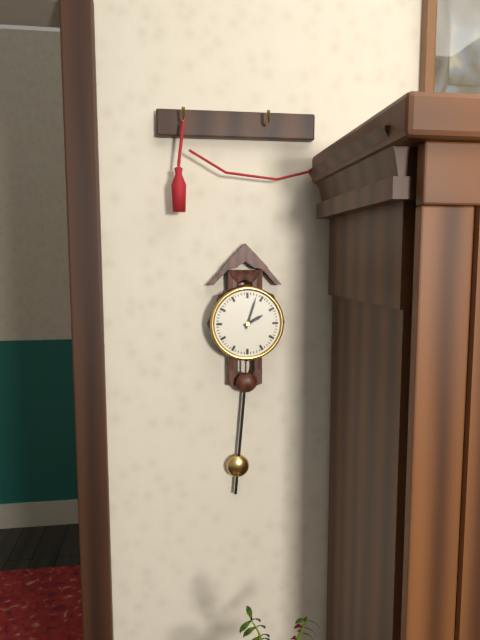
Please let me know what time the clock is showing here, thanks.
2:03
